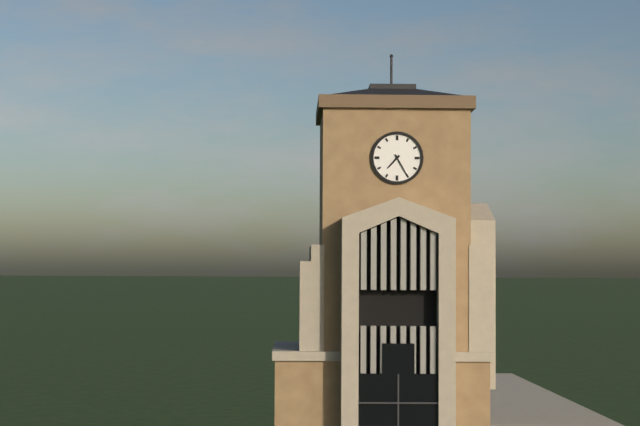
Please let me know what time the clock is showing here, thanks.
7:25
